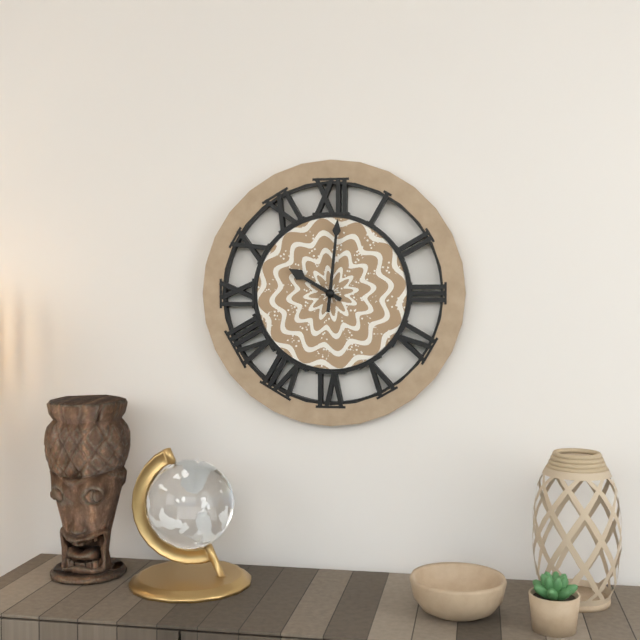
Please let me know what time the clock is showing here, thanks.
10:01
